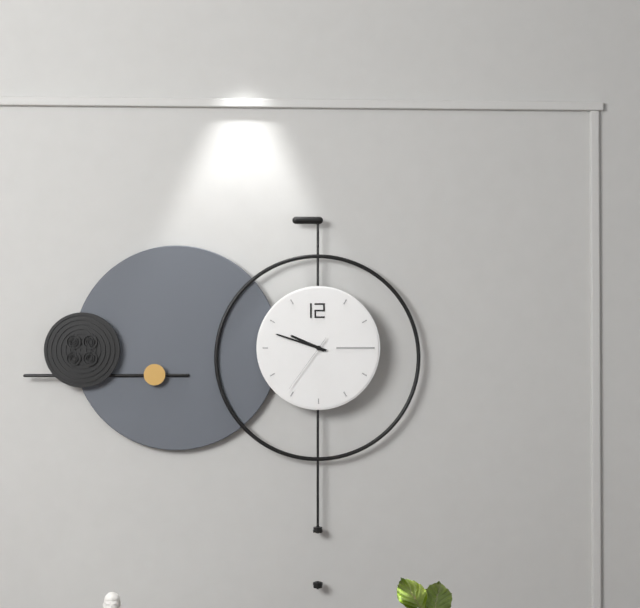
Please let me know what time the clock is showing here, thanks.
9:48:36
